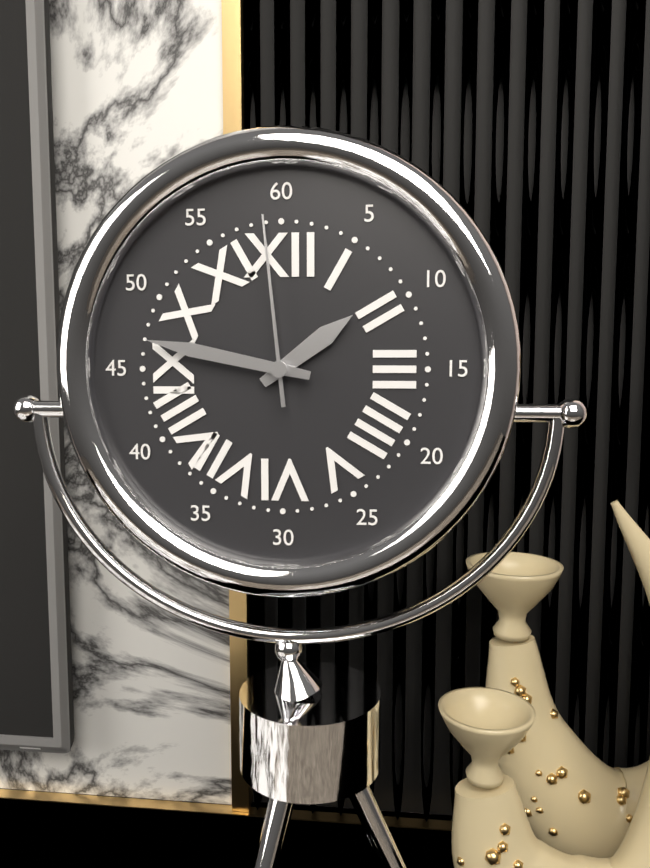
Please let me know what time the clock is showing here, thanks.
1:47:59
